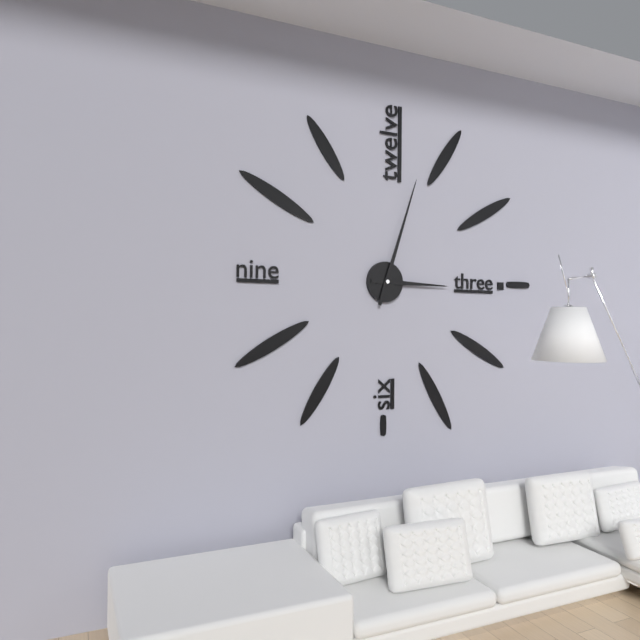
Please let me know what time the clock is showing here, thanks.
3:03
